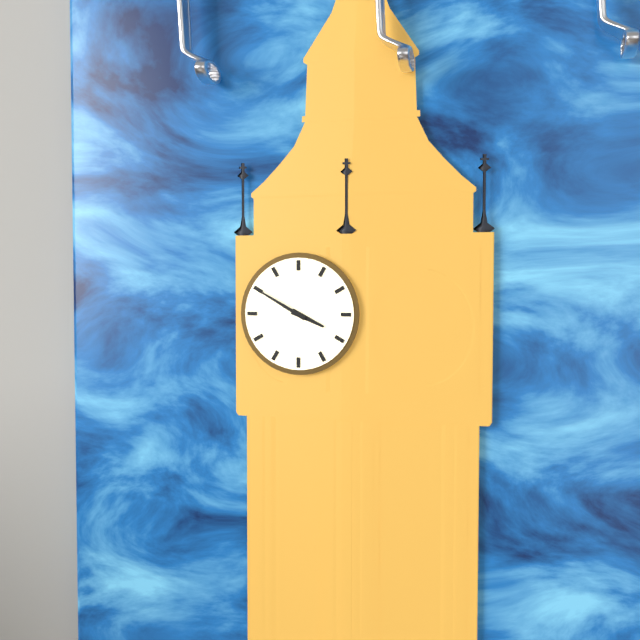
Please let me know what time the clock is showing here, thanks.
3:50
